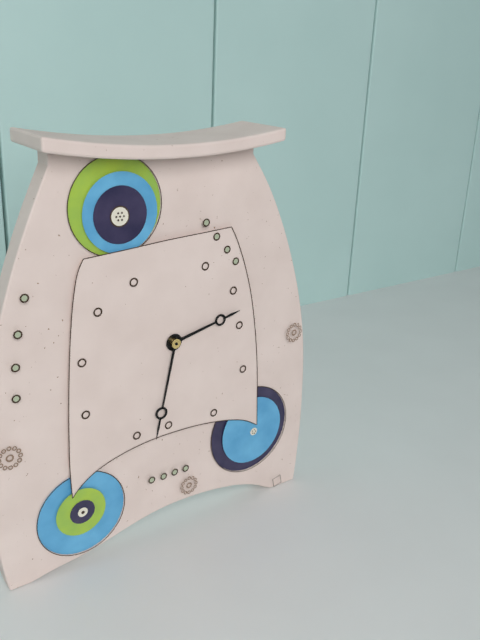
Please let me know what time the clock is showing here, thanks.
2:32
